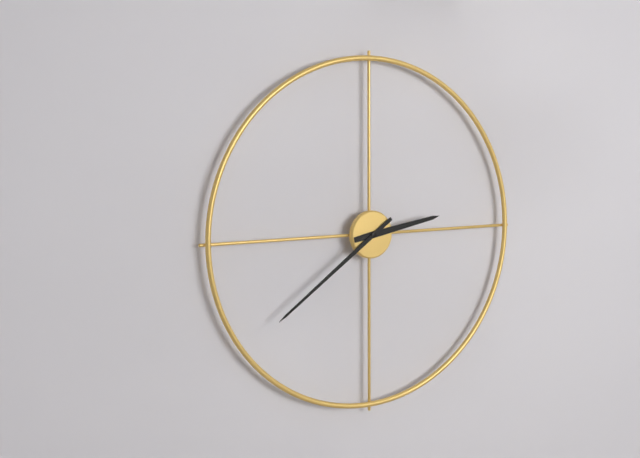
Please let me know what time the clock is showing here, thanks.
2:39
